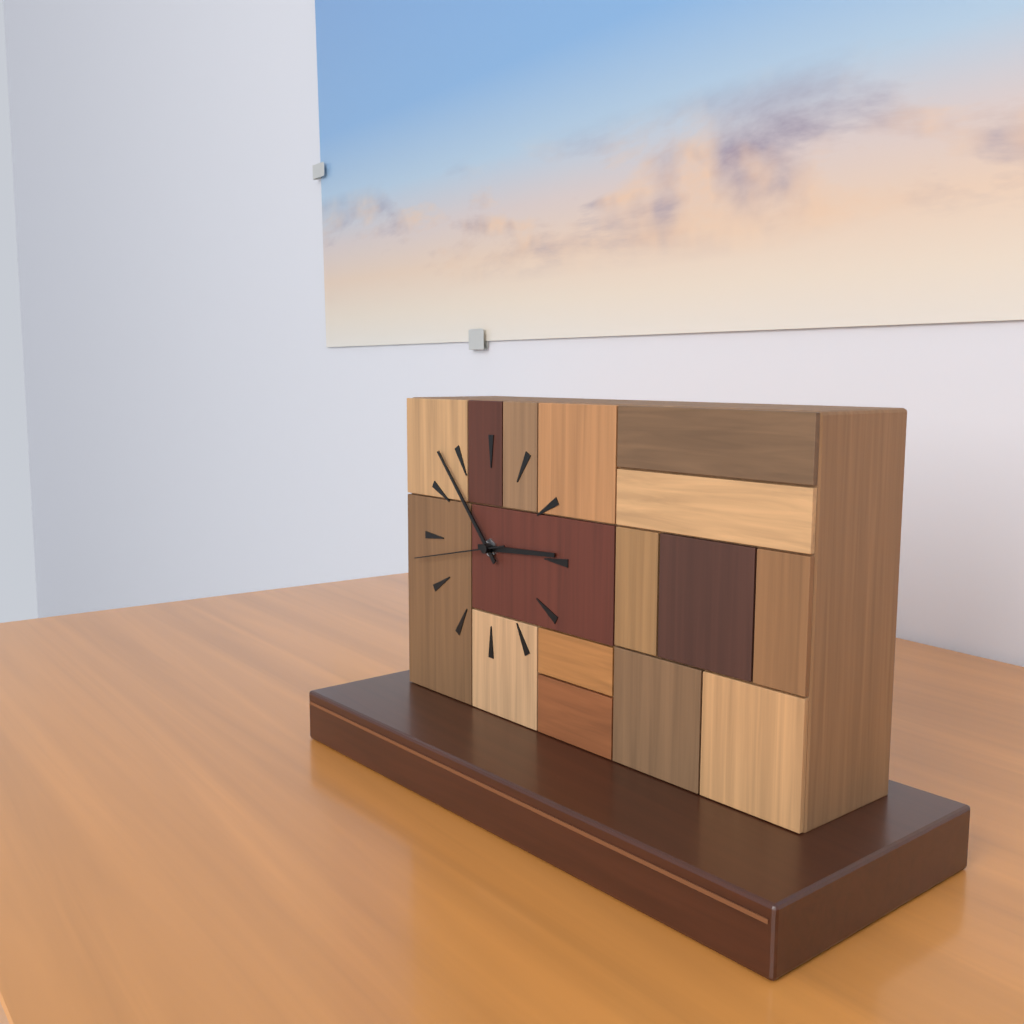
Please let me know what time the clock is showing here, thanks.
2:53:43
